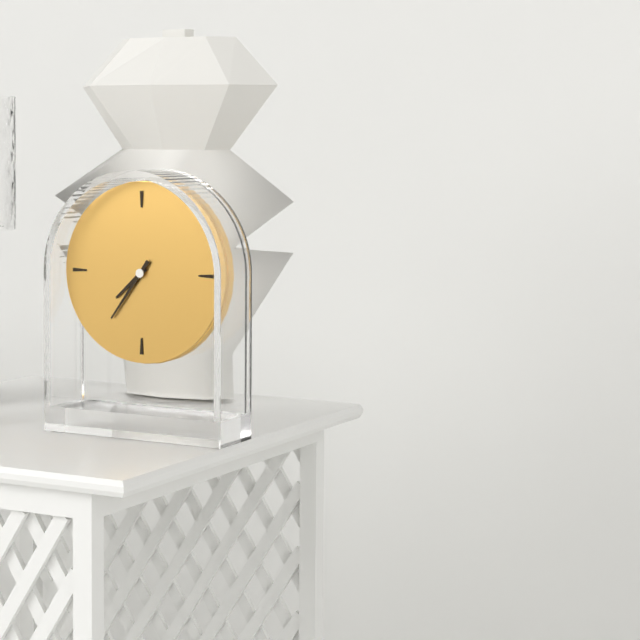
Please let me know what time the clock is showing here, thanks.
7:36
